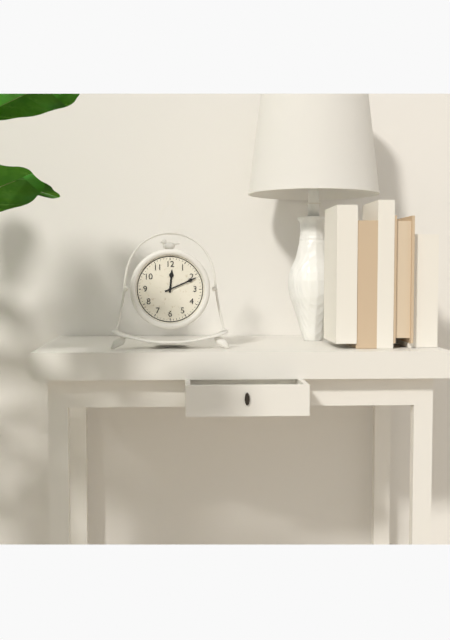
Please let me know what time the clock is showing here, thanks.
12:11
